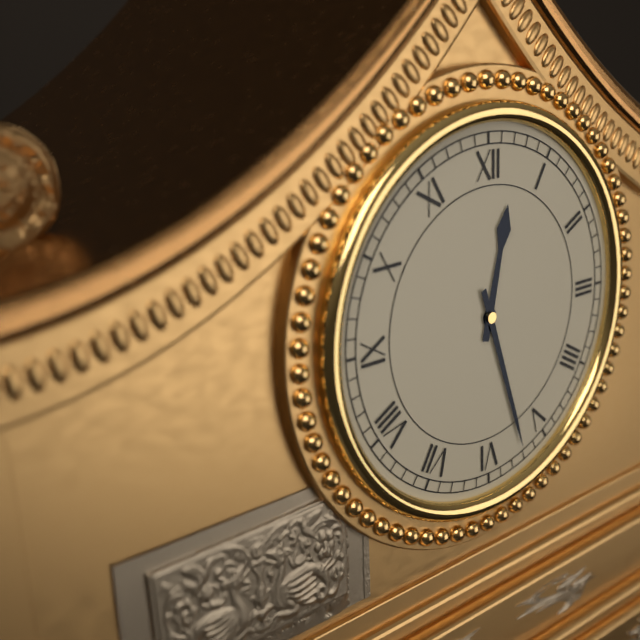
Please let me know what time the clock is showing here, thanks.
12:27
